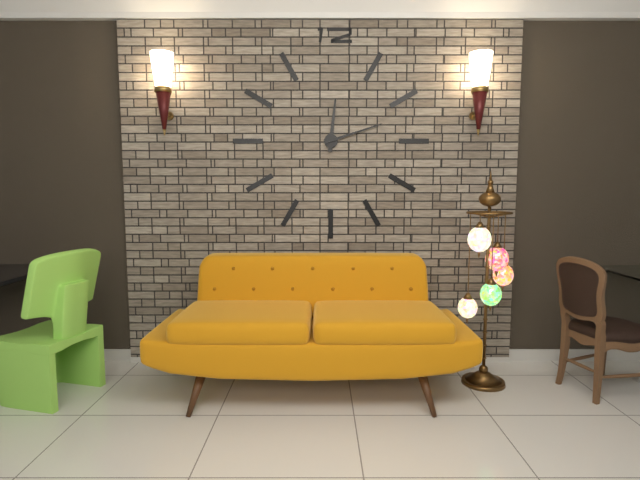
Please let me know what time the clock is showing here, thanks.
12:12
